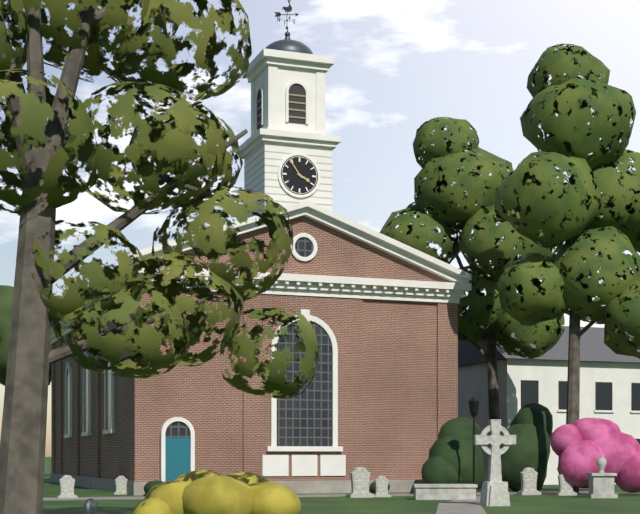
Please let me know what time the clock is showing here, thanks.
3:54
